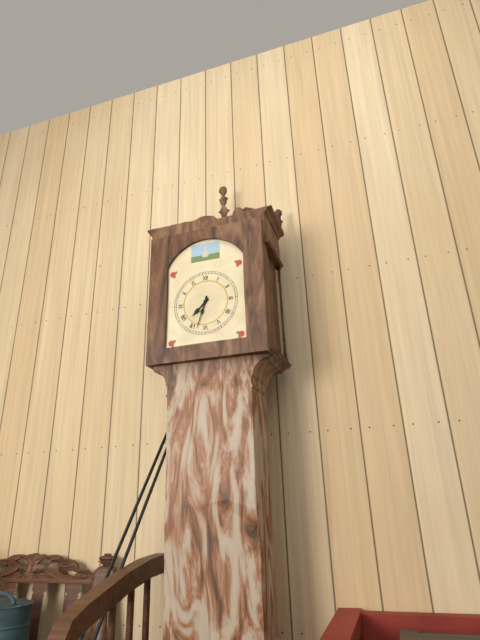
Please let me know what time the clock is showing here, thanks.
7:33
